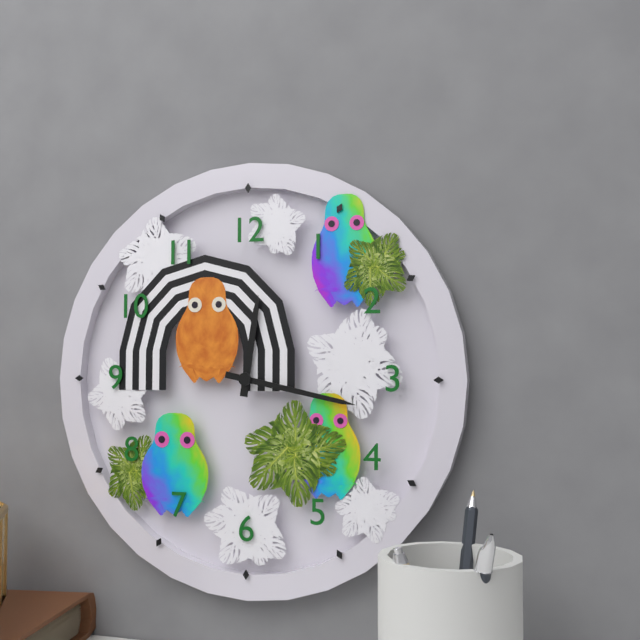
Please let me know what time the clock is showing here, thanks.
12:17
